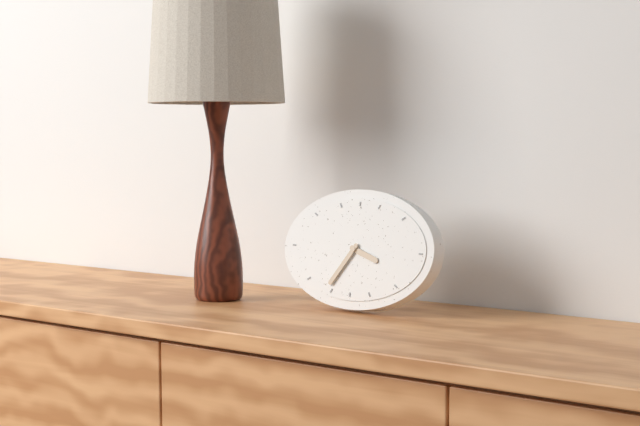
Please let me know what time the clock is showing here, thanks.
3:36
